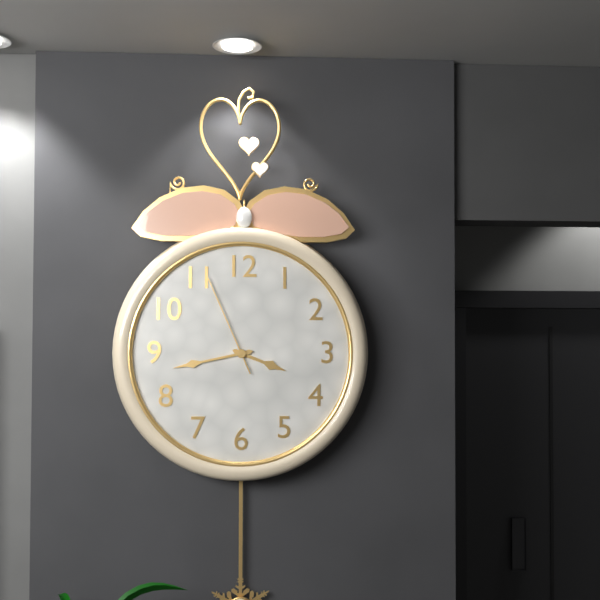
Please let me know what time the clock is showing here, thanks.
3:43:56
